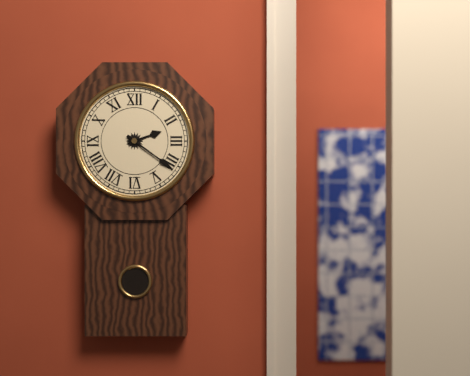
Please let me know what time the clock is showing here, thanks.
2:21
